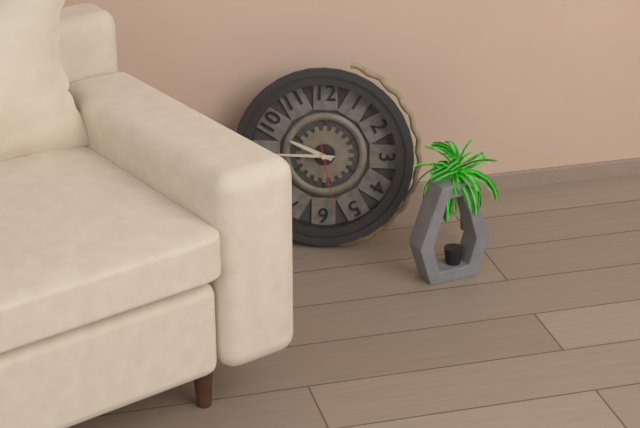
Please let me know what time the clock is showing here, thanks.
9:45:28
